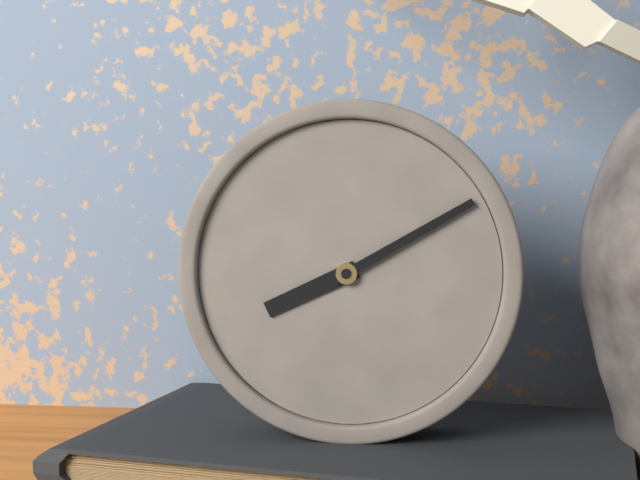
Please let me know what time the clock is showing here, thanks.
8:10
